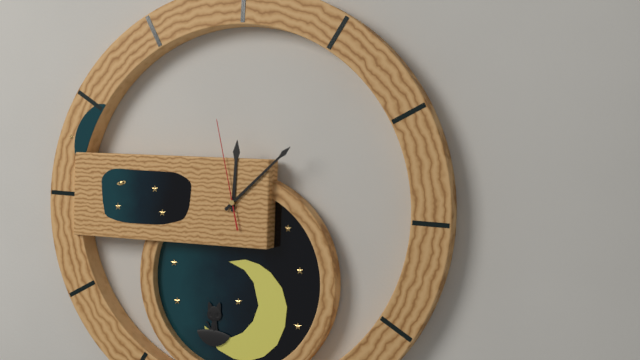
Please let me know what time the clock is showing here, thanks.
12:08:58
